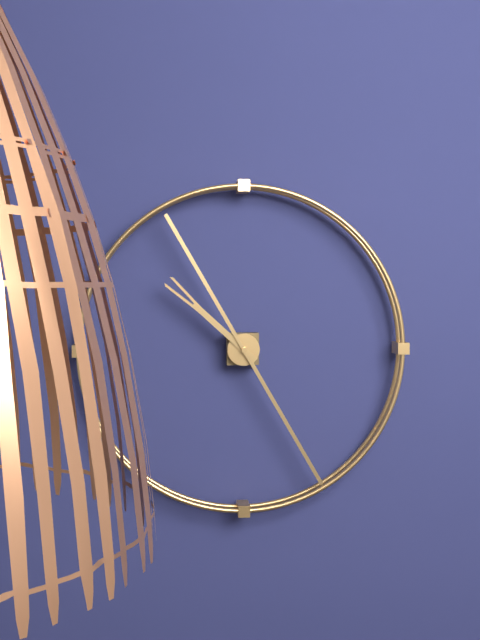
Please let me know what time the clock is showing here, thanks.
10:25
